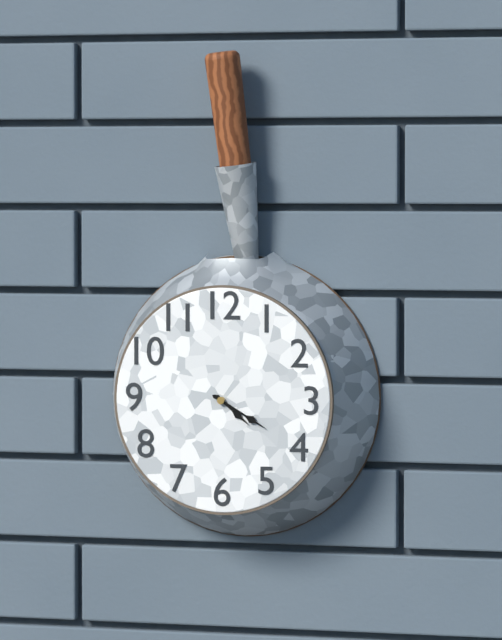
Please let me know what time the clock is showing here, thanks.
4:20
